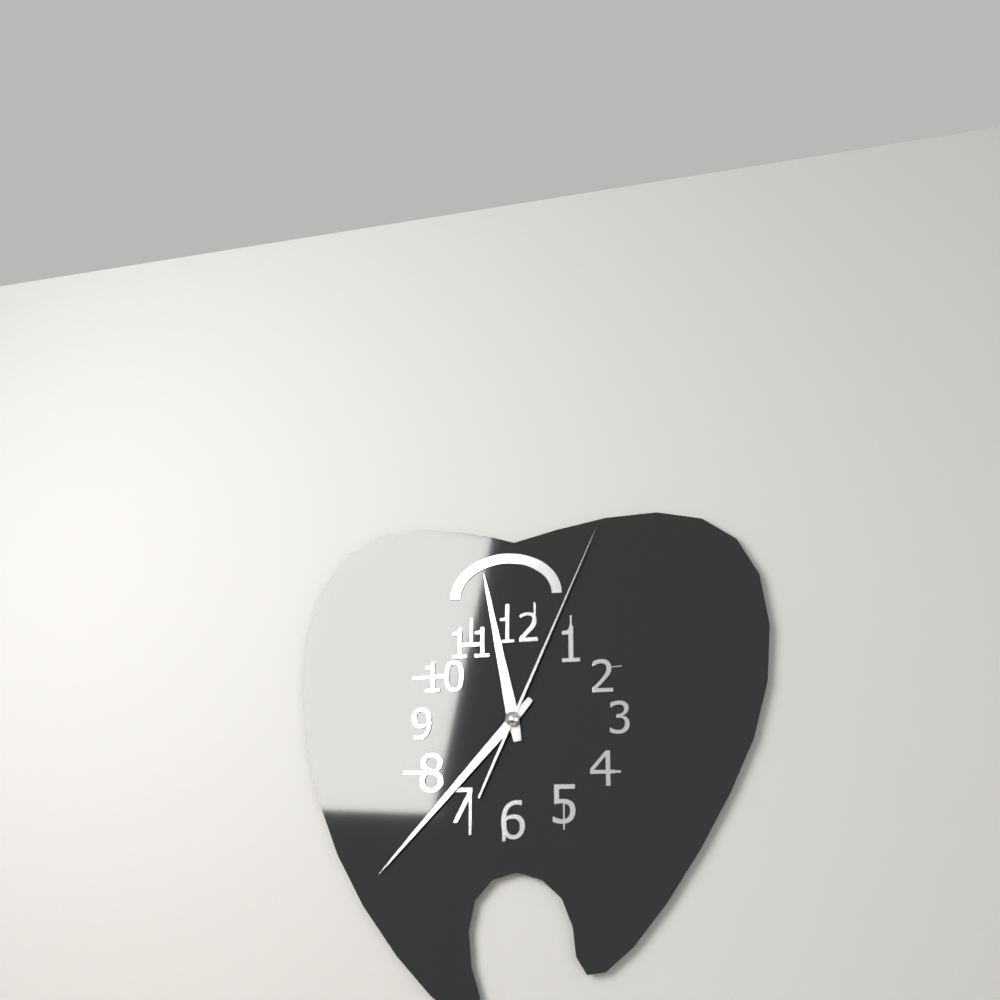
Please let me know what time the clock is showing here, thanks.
11:37:04
